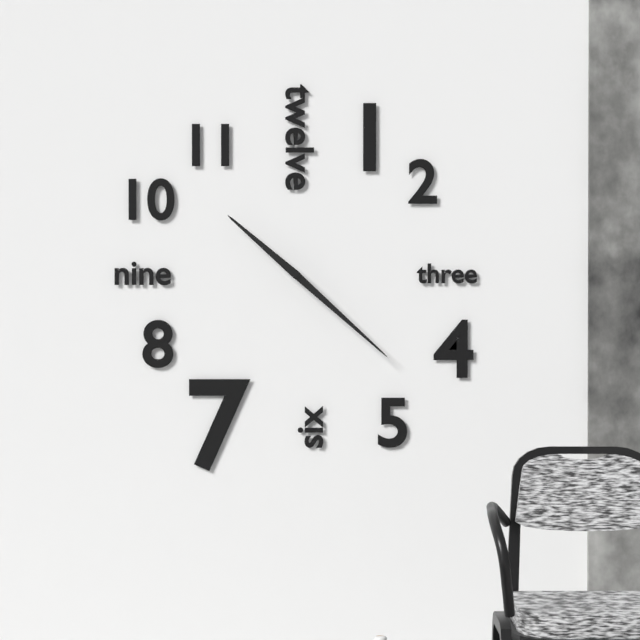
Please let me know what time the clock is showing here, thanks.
10:22
